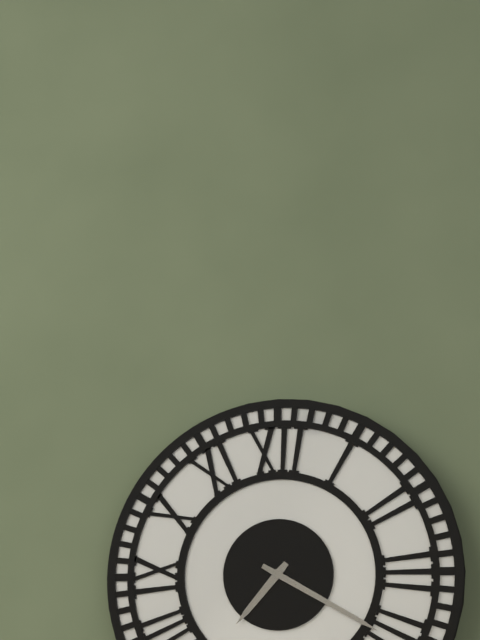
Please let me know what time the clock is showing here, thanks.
7:20
